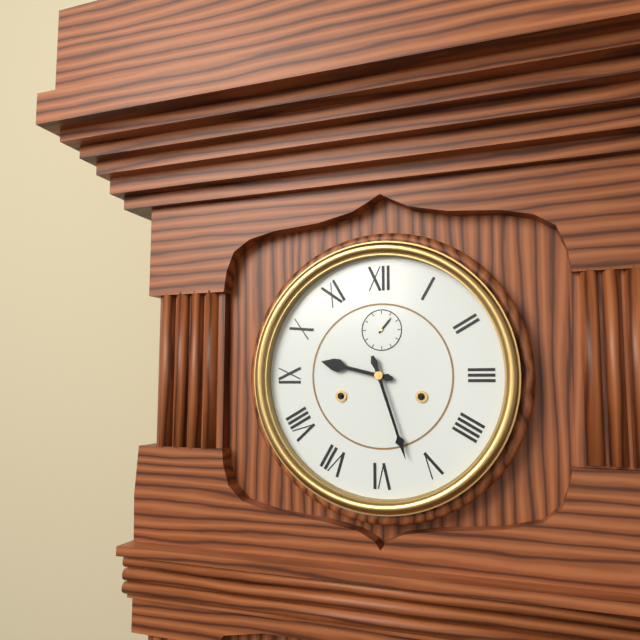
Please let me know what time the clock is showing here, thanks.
9:27
